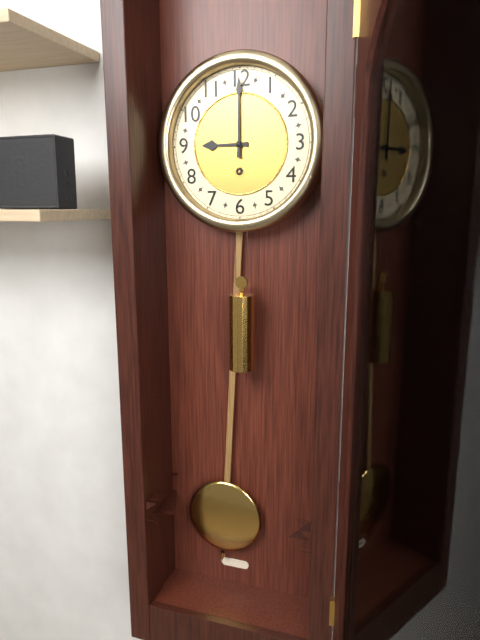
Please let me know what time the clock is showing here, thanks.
9:00
